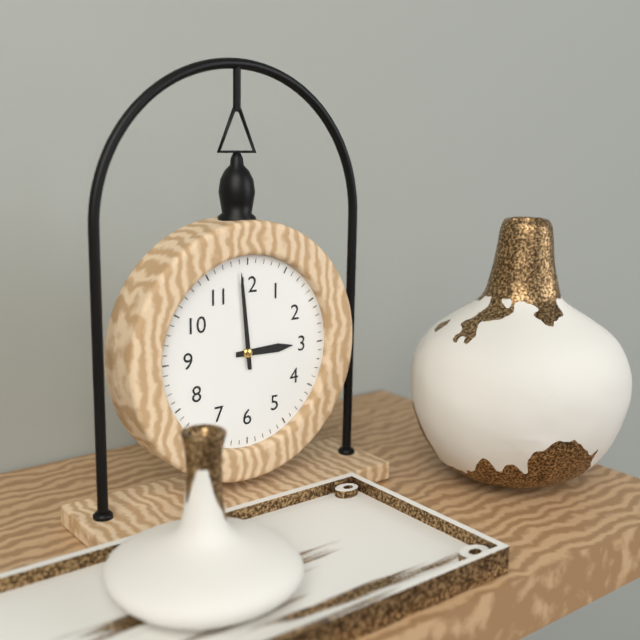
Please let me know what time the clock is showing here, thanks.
2:59
